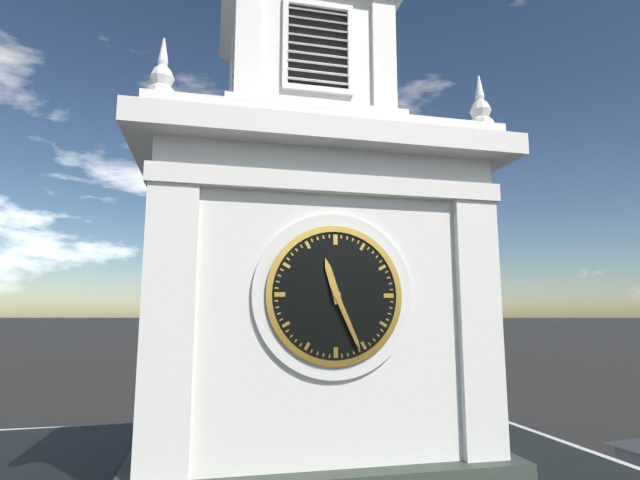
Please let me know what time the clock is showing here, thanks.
11:26
